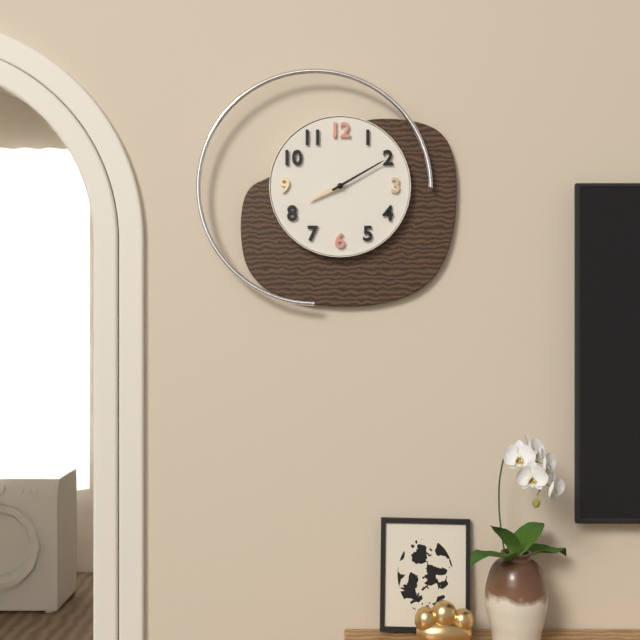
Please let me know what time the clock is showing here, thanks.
8:10
